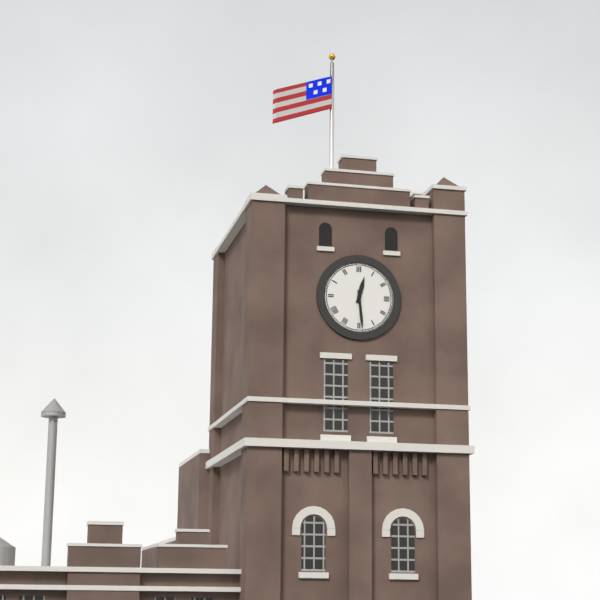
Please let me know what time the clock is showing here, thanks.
12:29
